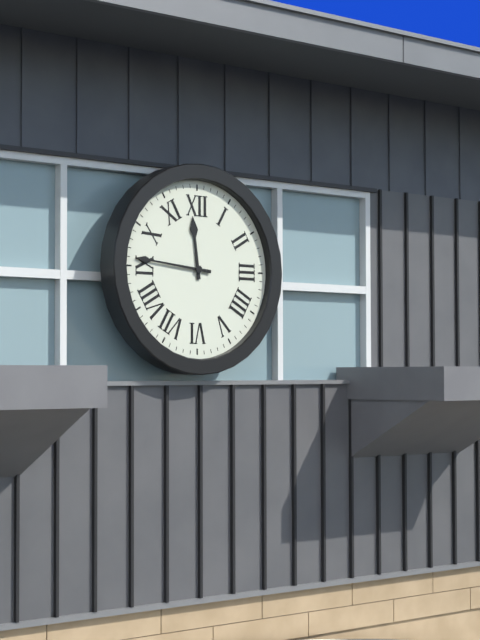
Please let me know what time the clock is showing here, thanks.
11:46
